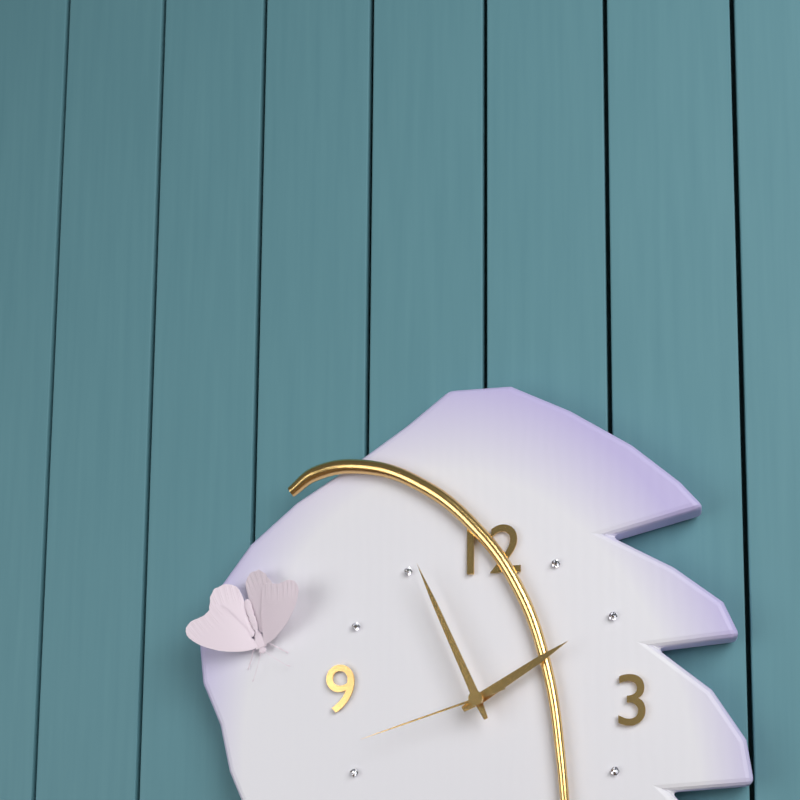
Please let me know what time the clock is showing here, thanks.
1:56:42
